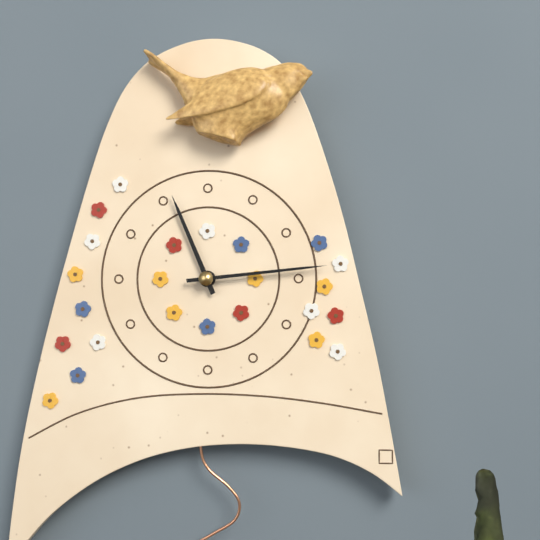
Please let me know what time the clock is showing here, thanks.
11:14
